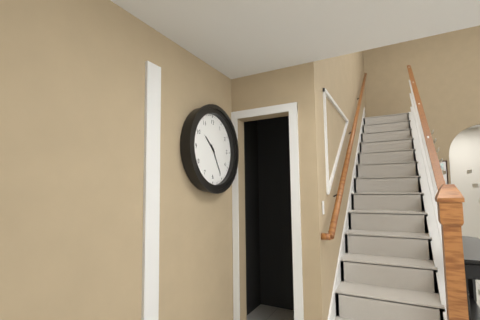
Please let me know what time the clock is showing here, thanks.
10:25
